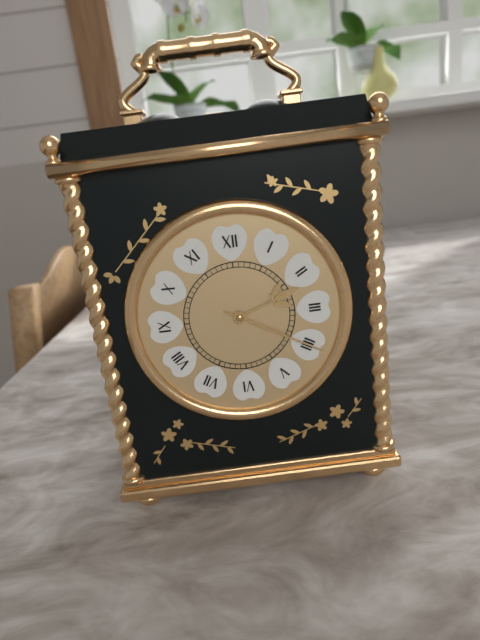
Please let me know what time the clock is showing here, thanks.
2:20
